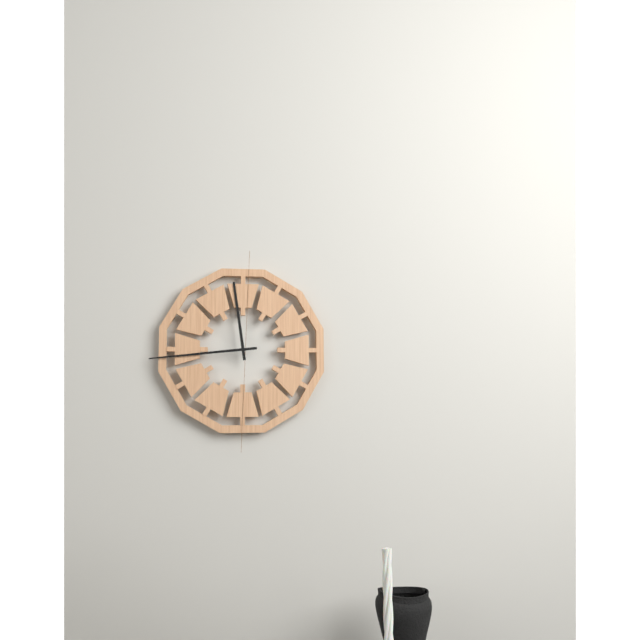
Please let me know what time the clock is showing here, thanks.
11:44
